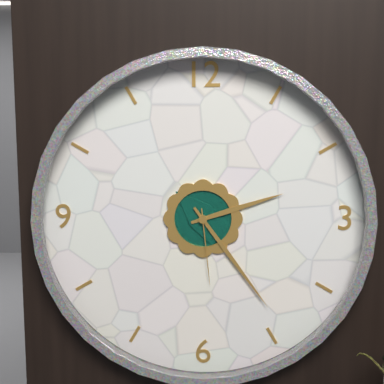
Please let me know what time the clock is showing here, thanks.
2:24:29
